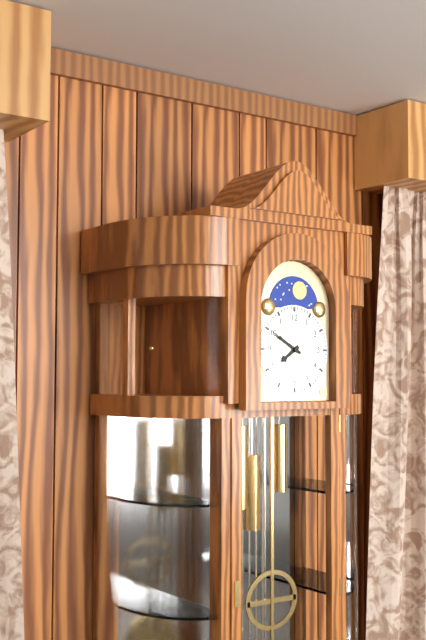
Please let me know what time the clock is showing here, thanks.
7:50
